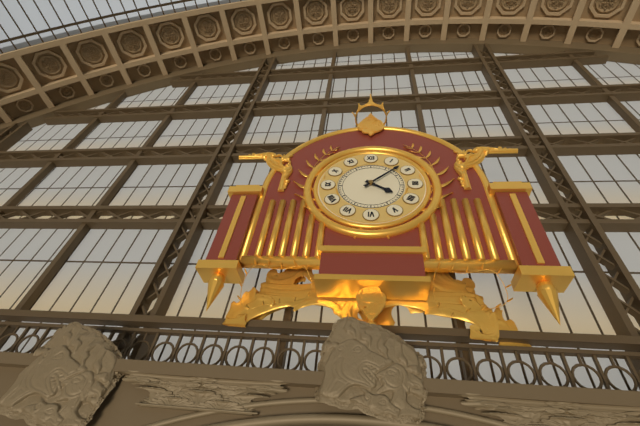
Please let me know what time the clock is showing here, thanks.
4:08
